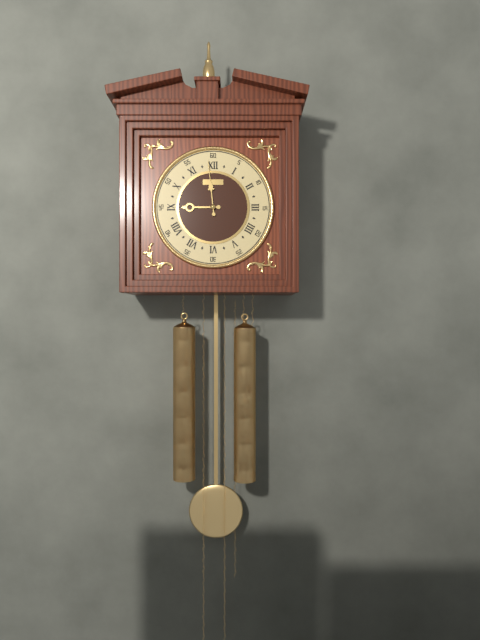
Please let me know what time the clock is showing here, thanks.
8:59
